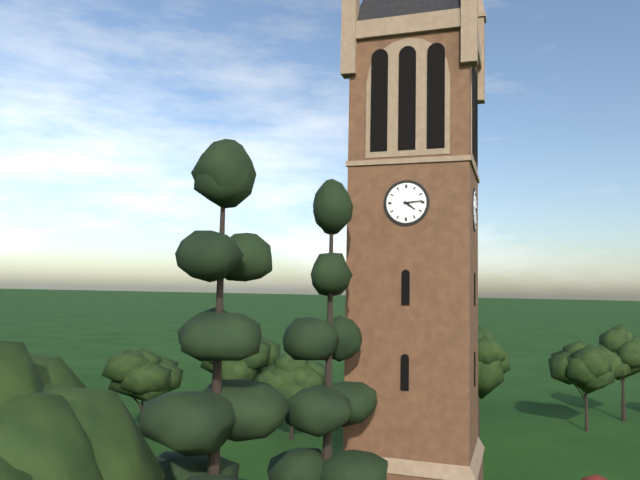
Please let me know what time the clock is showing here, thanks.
4:14
